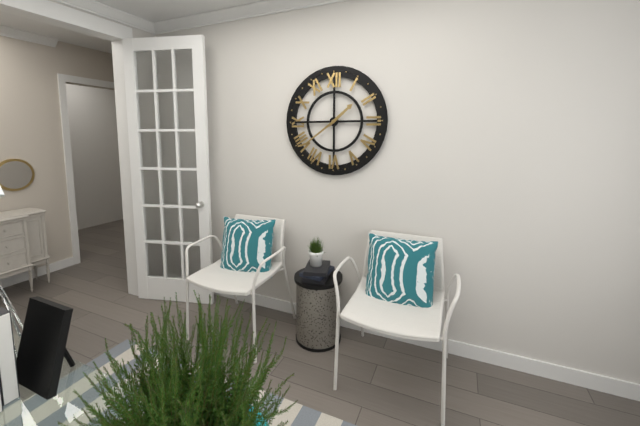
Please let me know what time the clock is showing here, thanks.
1:39
